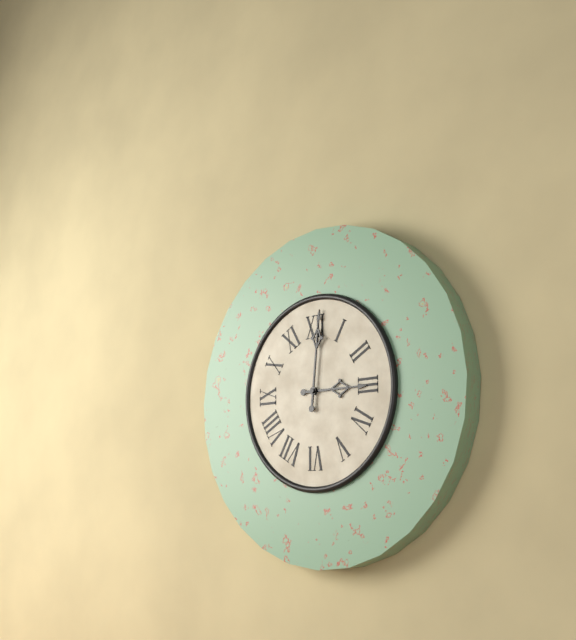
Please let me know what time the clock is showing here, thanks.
3:01
